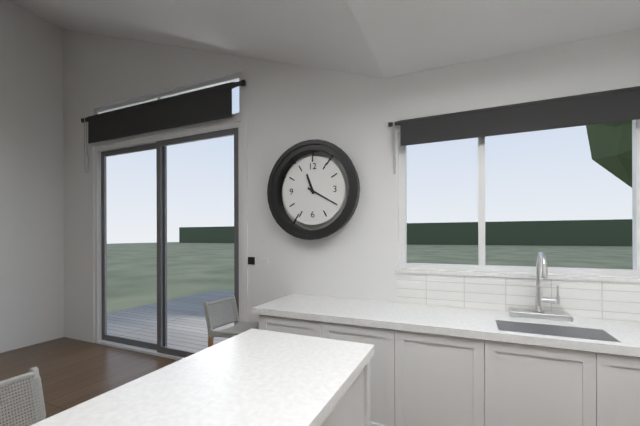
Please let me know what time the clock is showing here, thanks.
11:20
